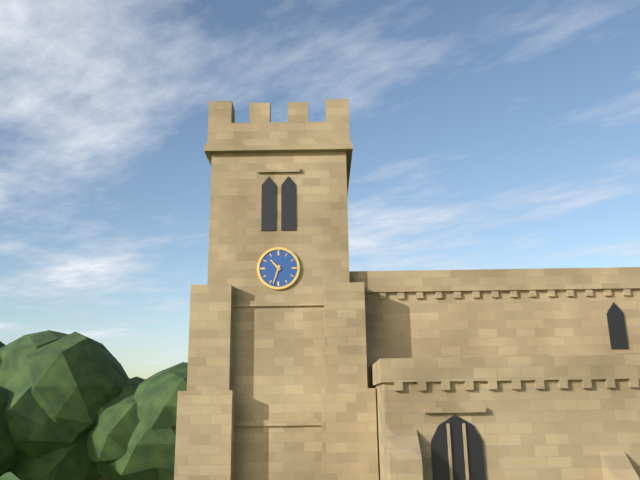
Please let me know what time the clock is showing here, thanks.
10:33
